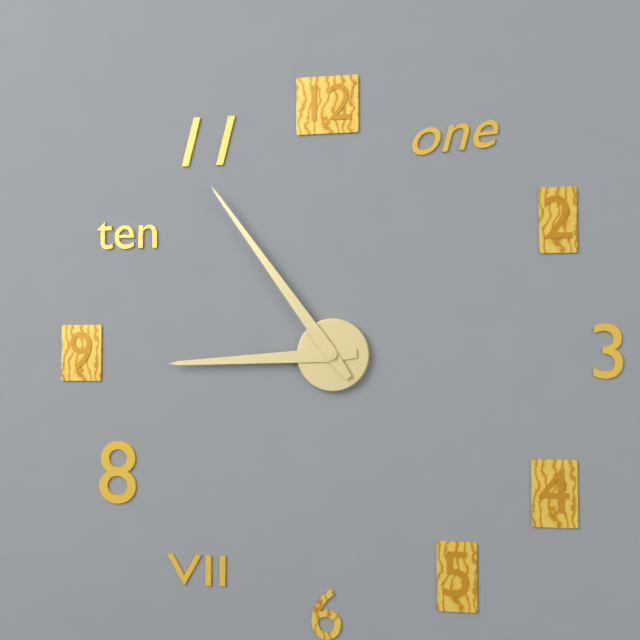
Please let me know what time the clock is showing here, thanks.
8:54
